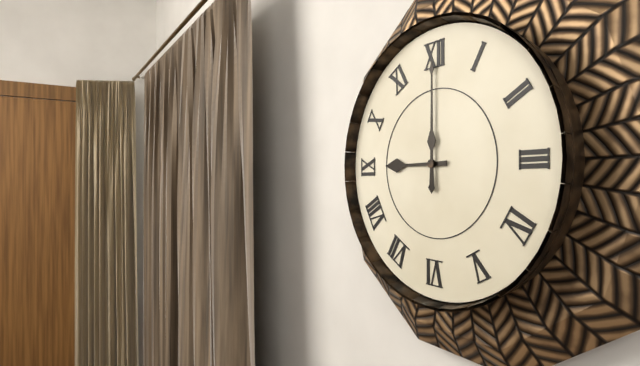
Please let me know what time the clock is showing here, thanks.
9:00
